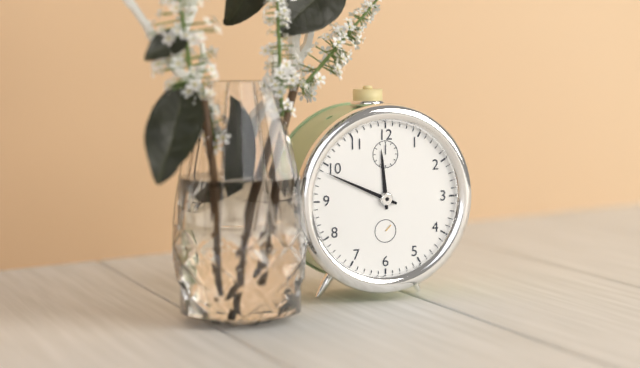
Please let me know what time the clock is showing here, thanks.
11:49
